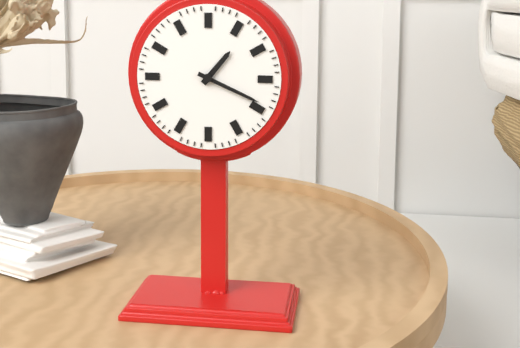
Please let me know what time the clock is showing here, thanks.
1:19
